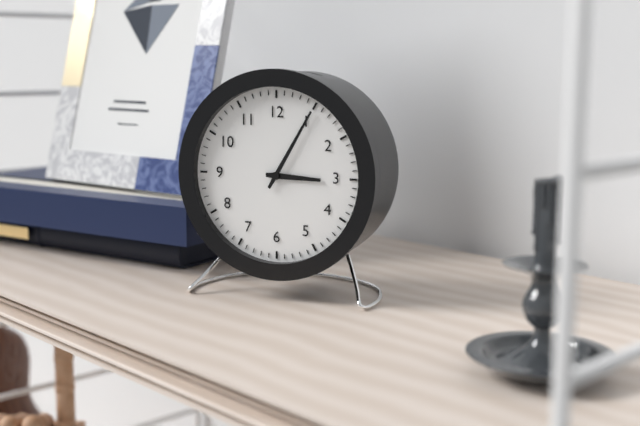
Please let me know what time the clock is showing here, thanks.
3:05
